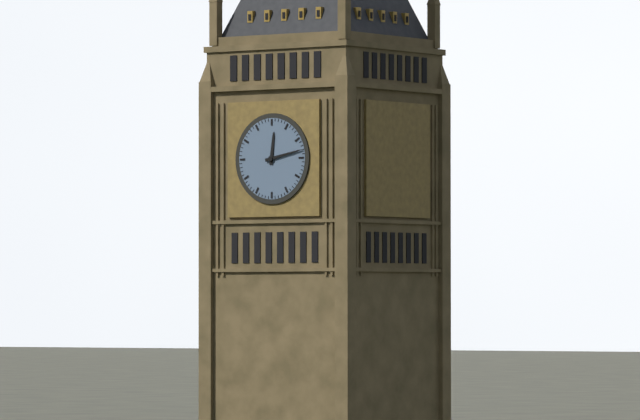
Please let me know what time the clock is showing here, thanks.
12:13
